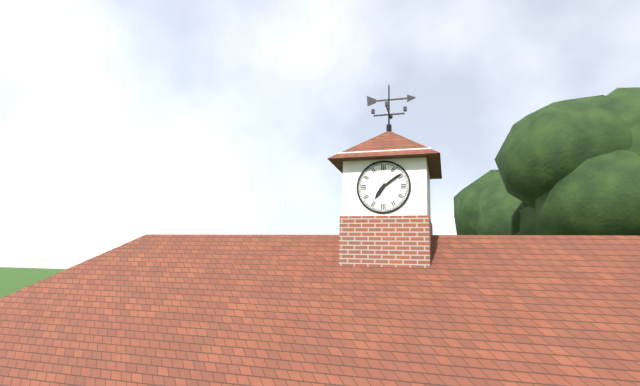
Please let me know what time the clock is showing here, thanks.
7:09
